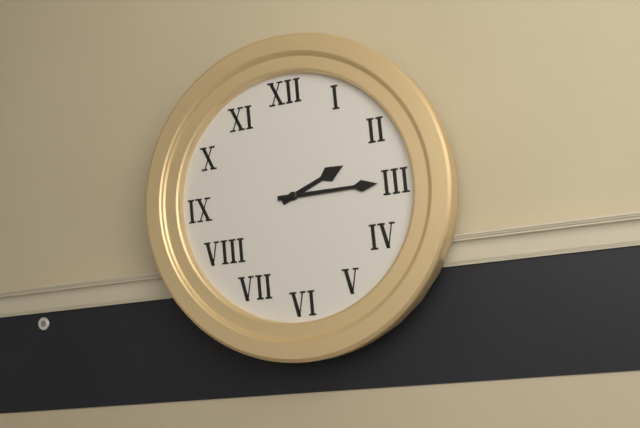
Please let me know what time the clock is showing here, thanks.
2:15
